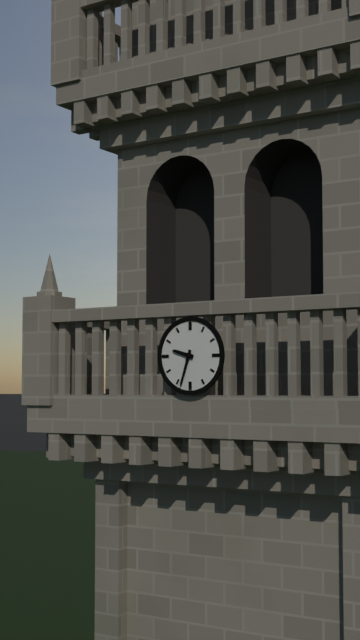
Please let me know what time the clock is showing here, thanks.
9:33
